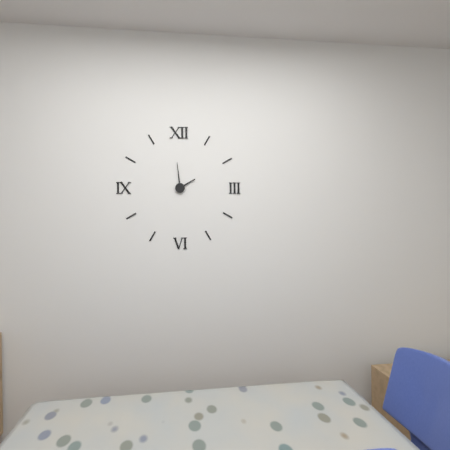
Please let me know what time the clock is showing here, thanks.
1:59
